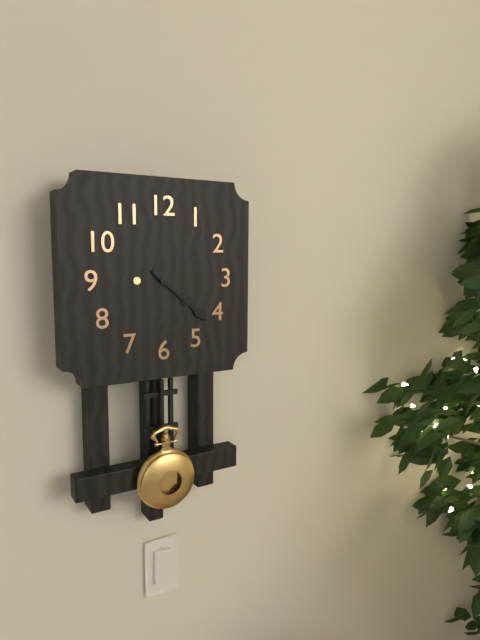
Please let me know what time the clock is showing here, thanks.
4:22
